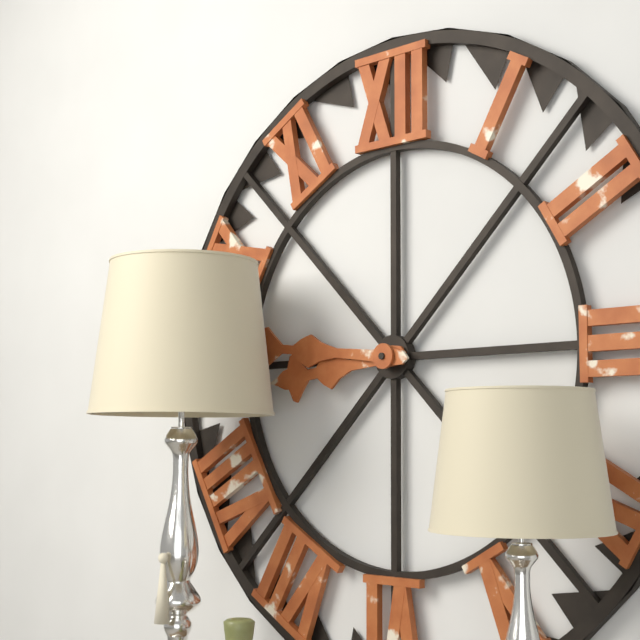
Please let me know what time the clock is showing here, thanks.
8:46
